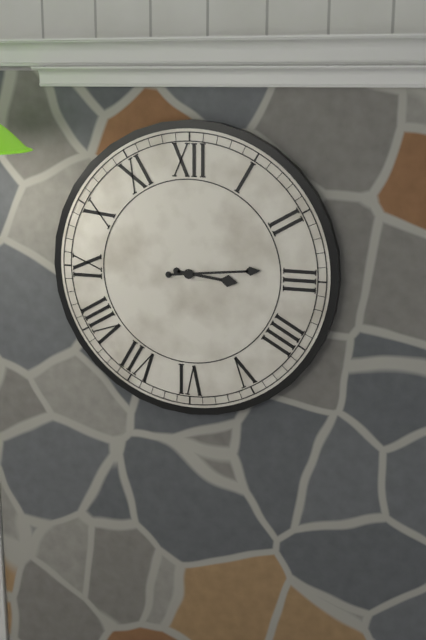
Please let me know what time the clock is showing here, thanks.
3:14
